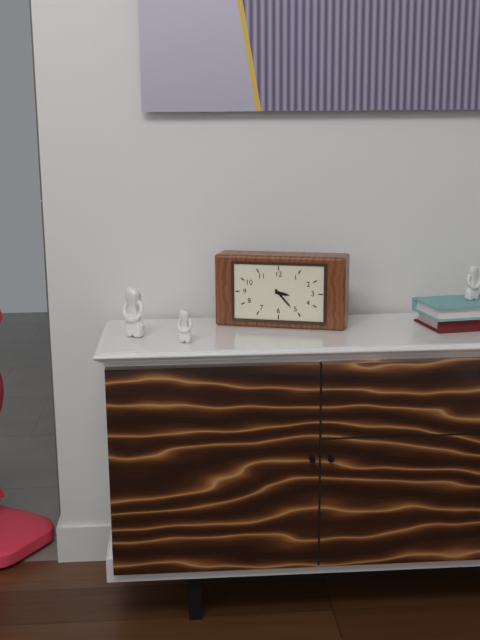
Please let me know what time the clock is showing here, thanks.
3:23
